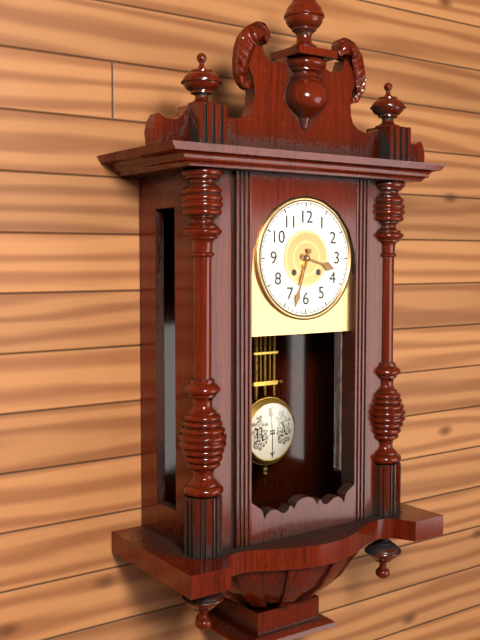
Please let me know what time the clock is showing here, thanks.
3:33
